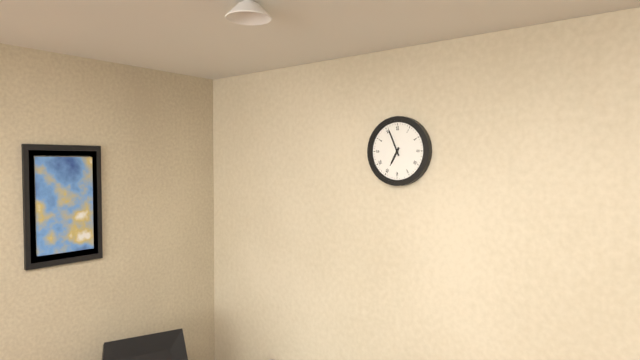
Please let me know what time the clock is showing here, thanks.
6:56
